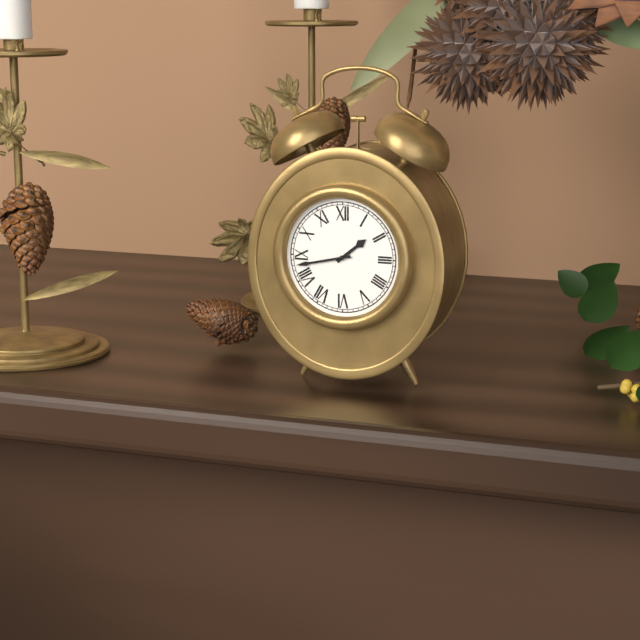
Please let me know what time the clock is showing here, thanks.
1:43
